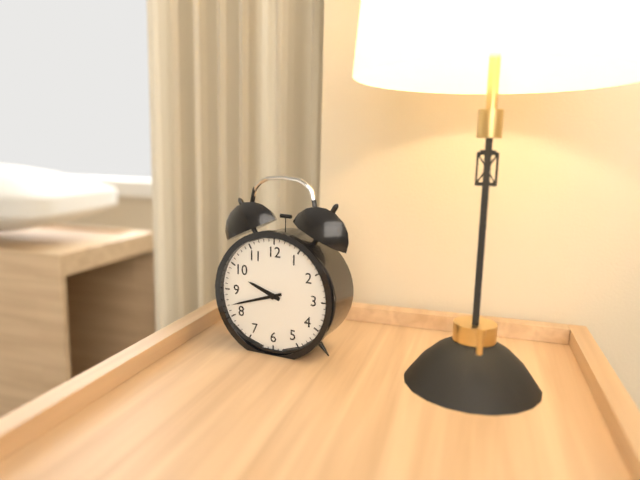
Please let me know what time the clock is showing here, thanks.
9:42
